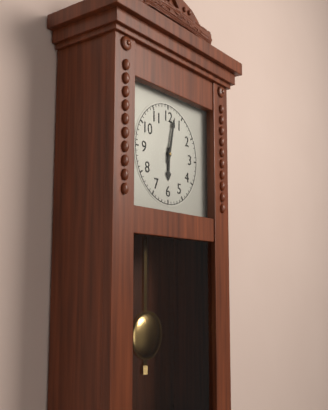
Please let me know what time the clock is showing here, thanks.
6:02
